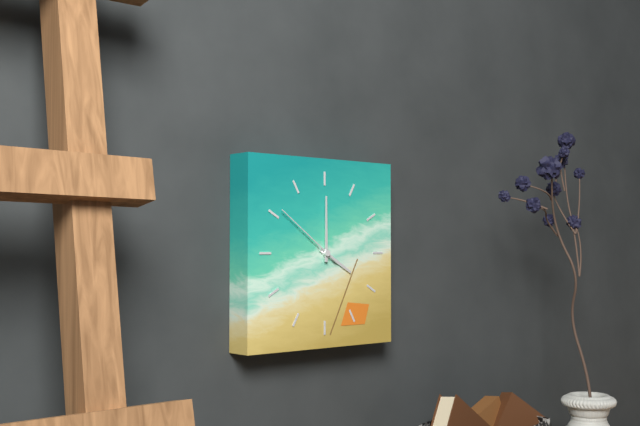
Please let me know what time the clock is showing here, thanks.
4:00:51
